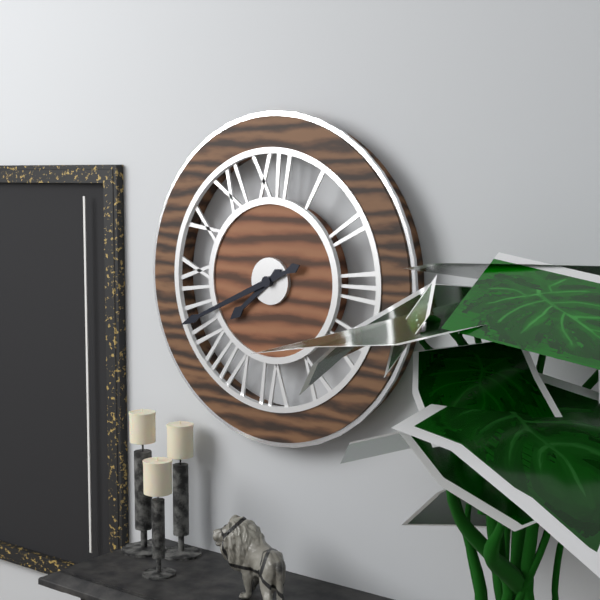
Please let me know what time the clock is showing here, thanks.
7:41
